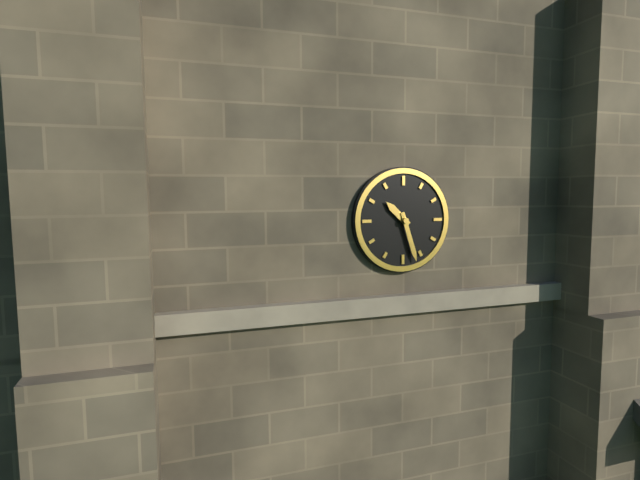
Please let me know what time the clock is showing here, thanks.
10:27
